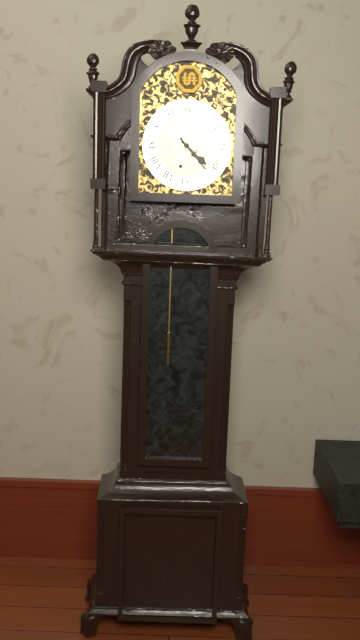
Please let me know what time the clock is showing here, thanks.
4:23
